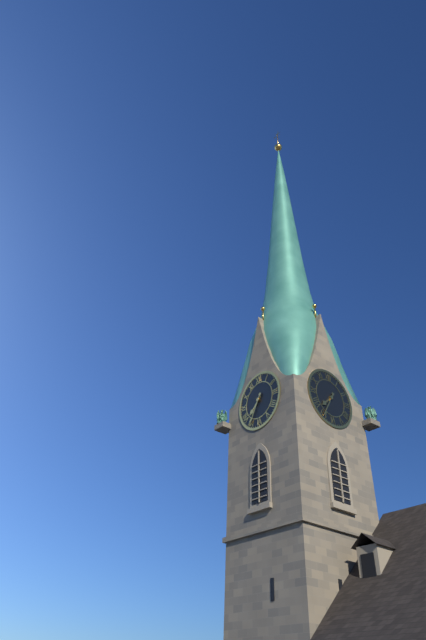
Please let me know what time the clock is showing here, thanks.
7:35
